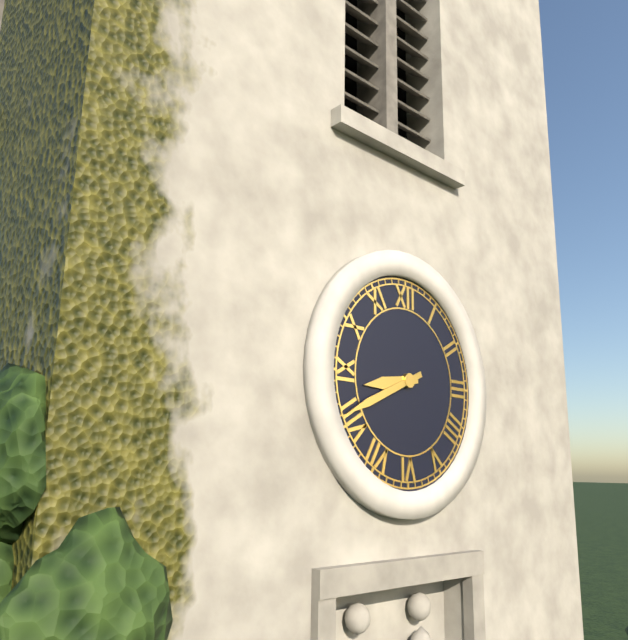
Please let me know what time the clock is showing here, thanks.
8:41
